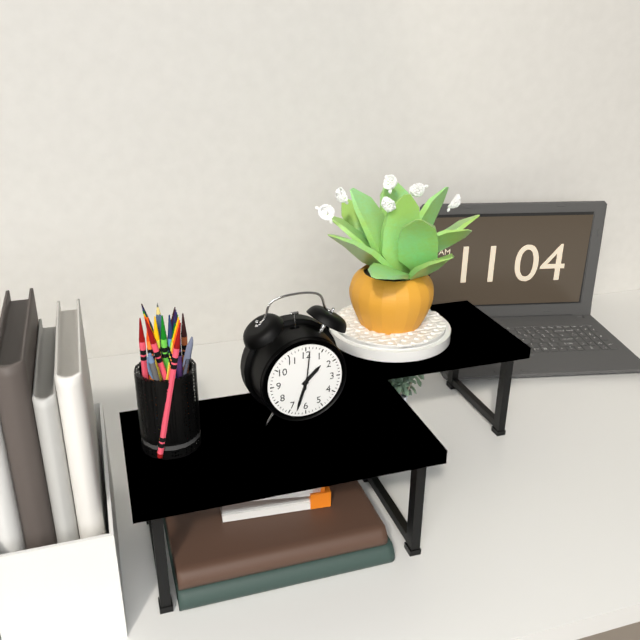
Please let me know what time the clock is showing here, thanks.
1:33
